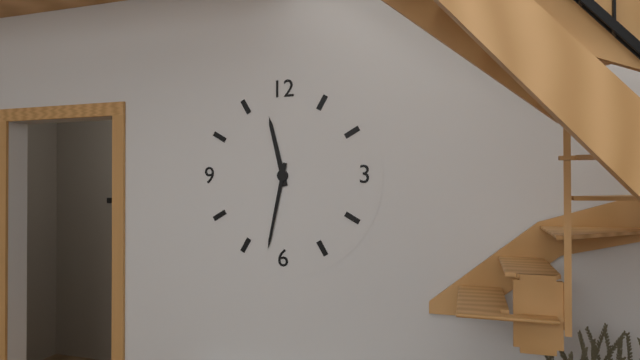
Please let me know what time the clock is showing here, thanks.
11:32
